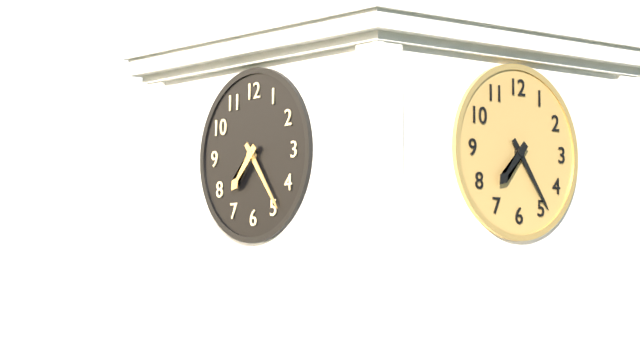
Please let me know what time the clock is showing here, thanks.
7:24
